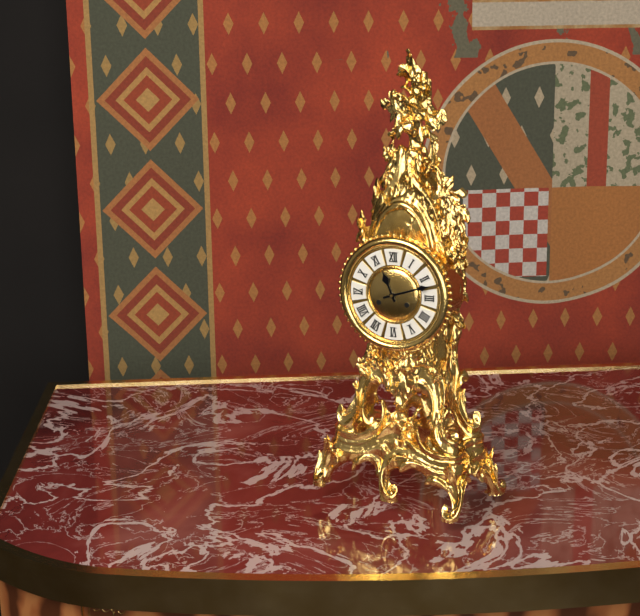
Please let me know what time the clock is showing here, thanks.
11:12
